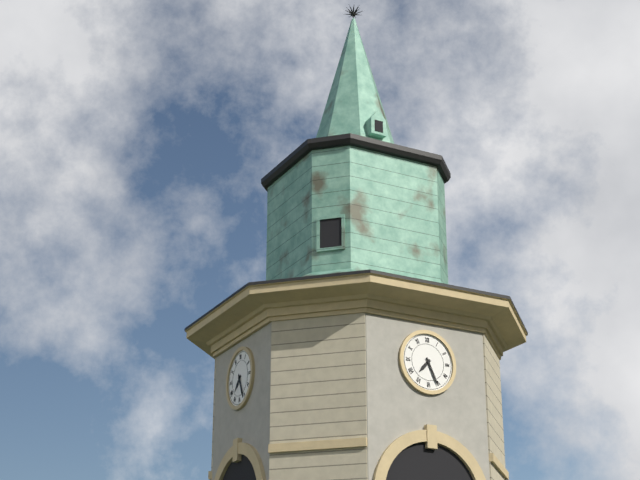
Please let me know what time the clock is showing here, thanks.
7:26
